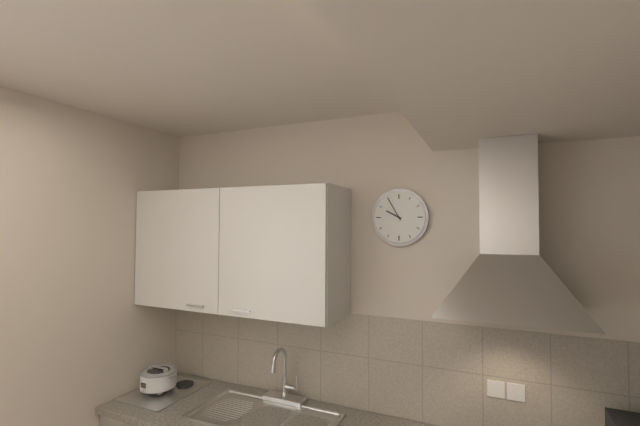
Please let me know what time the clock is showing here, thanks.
9:55
